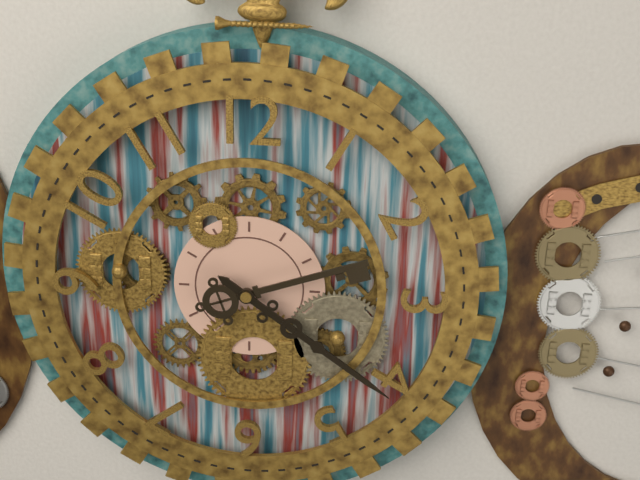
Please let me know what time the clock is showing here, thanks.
2:21
